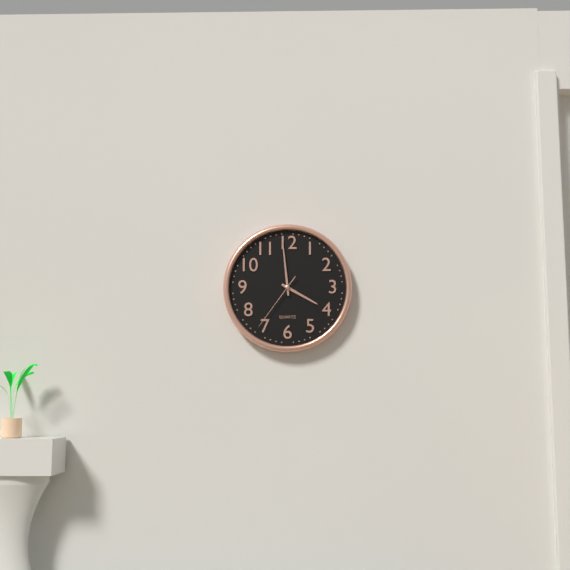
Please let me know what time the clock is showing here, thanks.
3:59:36
